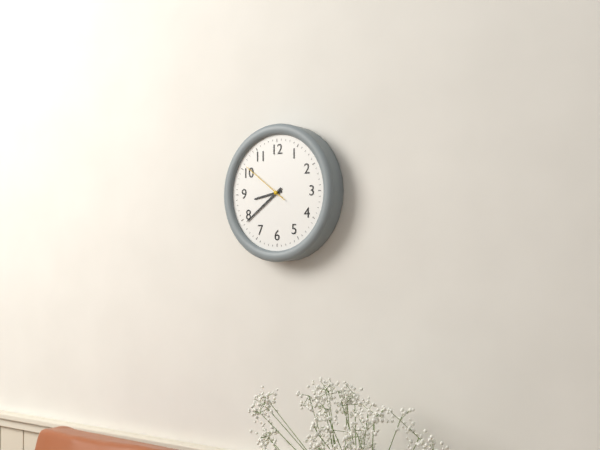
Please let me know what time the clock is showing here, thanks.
8:39:51
